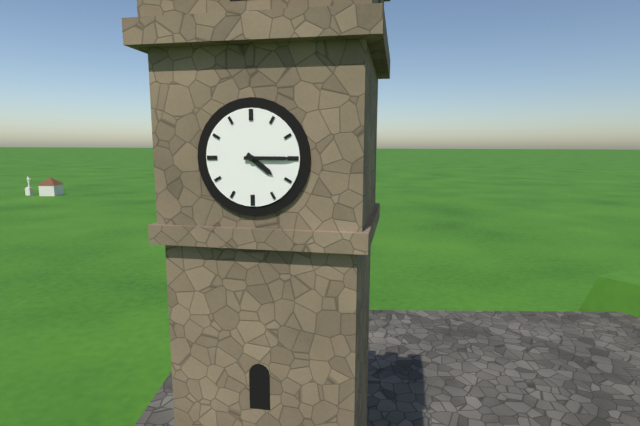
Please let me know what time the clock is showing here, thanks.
4:15
